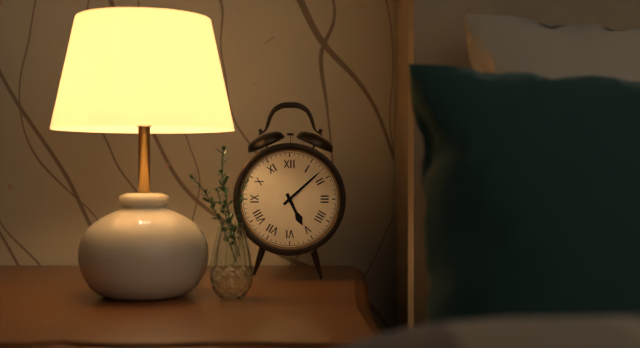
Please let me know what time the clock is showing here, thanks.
5:08
